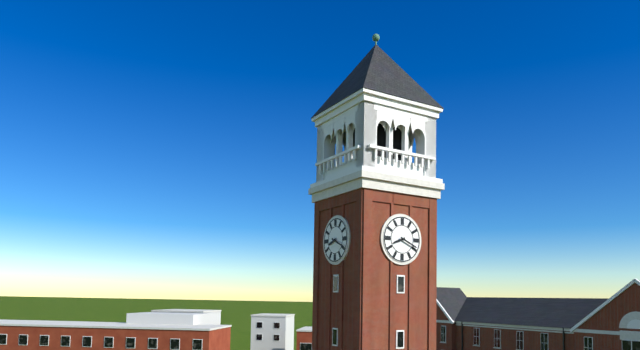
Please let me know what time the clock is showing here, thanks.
8:19
